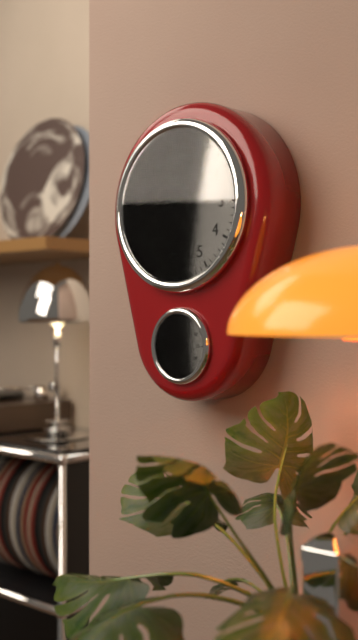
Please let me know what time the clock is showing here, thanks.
12:54:42
